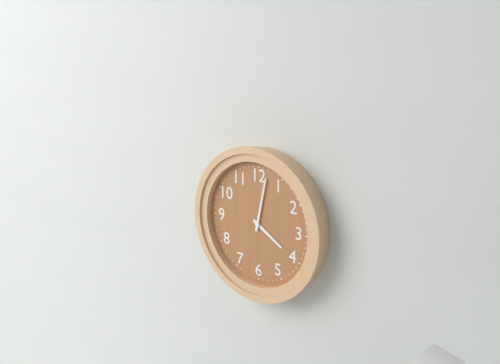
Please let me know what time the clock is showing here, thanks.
4:02
